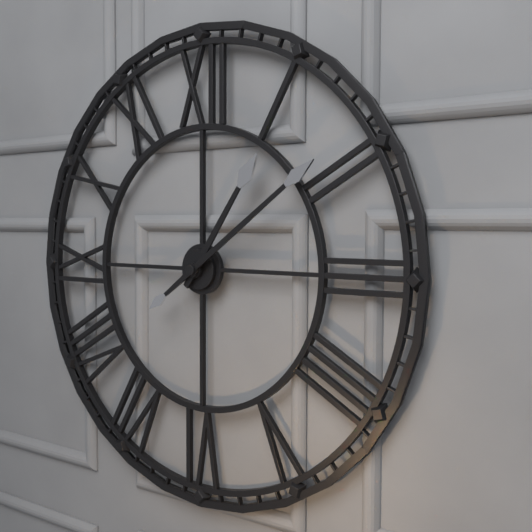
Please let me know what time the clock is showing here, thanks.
1:09
